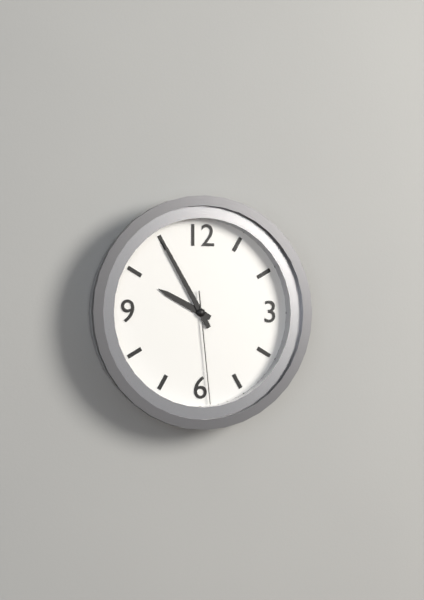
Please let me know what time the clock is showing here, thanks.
9:55:29
